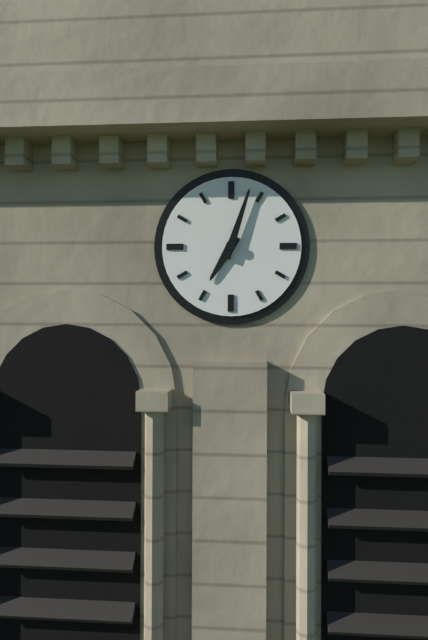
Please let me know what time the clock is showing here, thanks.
7:03
